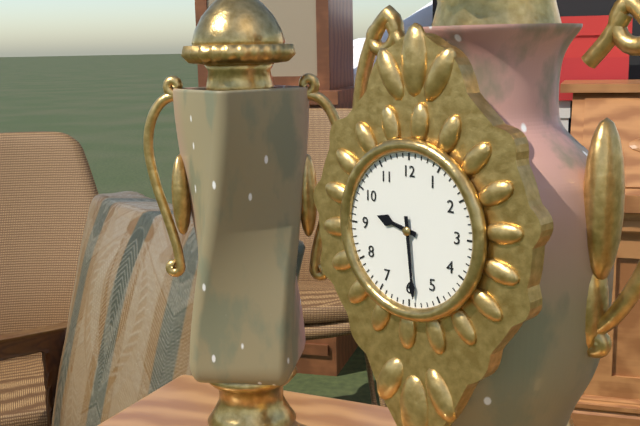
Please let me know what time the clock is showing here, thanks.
9:29
